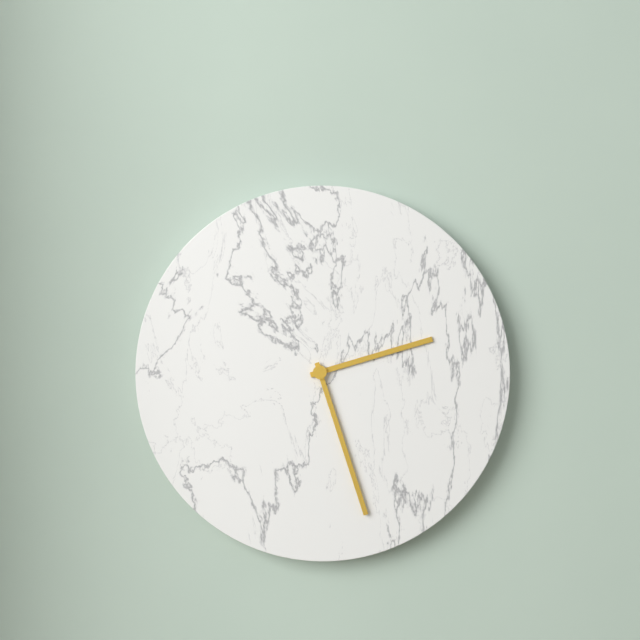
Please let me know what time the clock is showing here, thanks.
2:27
